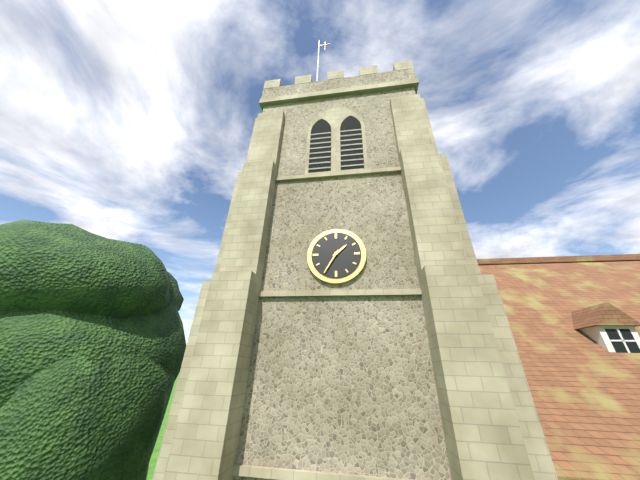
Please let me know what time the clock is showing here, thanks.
1:35
